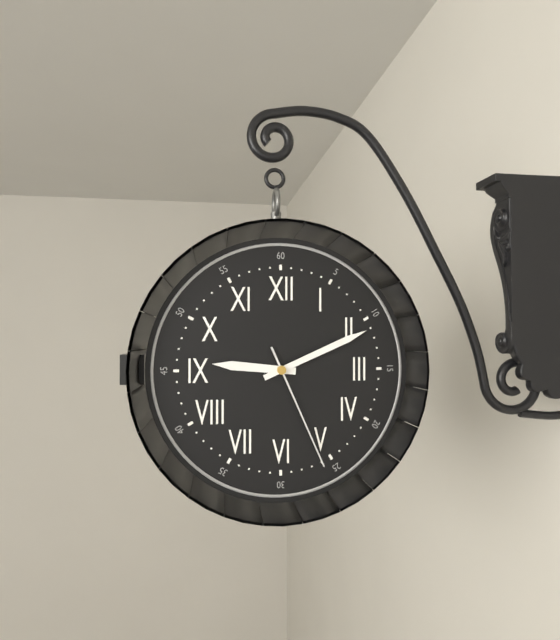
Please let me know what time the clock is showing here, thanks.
9:11:26
